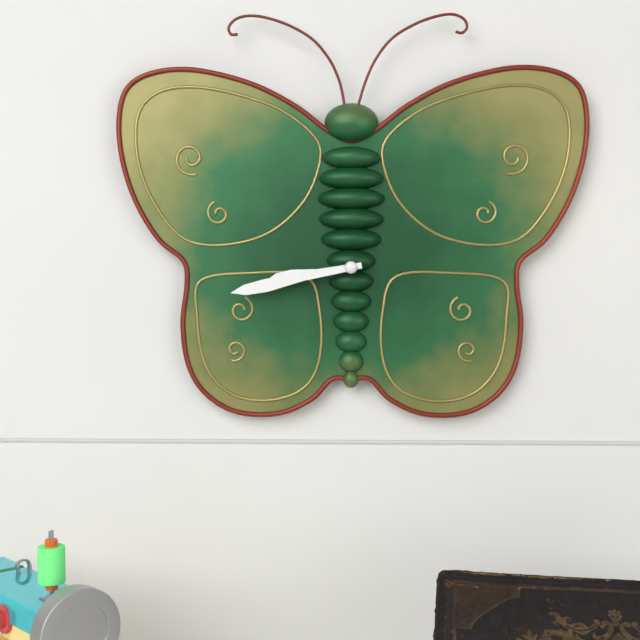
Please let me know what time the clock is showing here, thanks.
8:43
